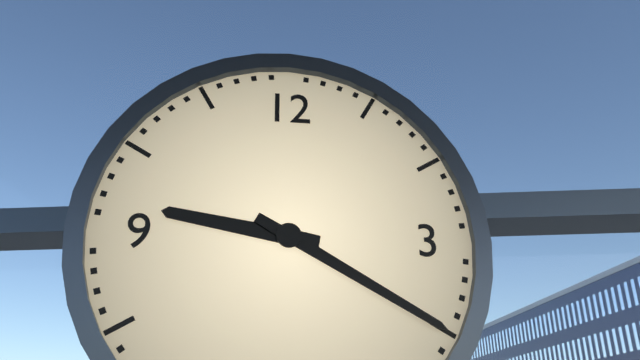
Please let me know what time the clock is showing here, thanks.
9:20
